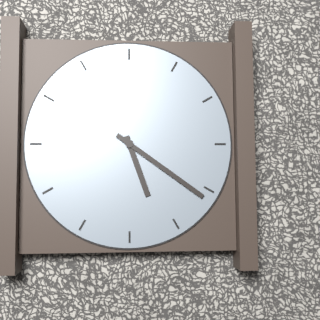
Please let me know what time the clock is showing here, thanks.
5:21
